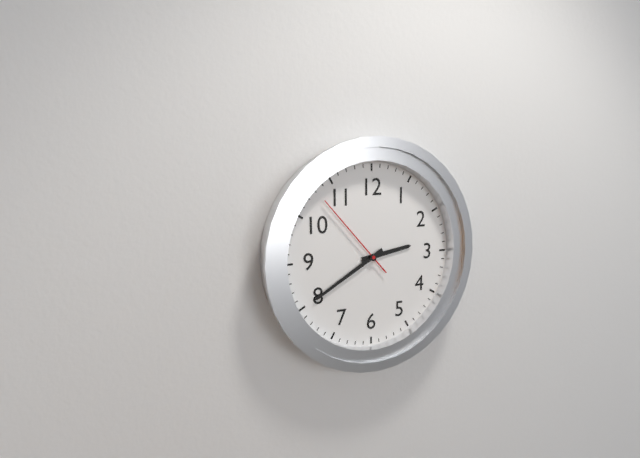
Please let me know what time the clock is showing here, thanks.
2:40:53
